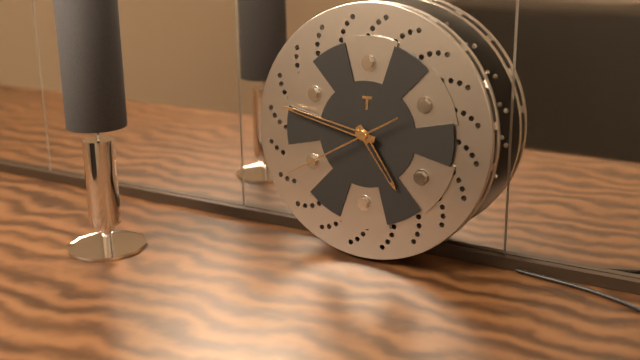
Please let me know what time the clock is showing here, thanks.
4:47:40
